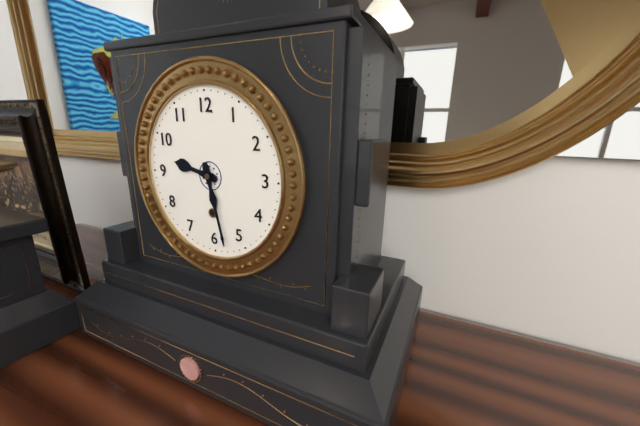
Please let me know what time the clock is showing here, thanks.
9:28
